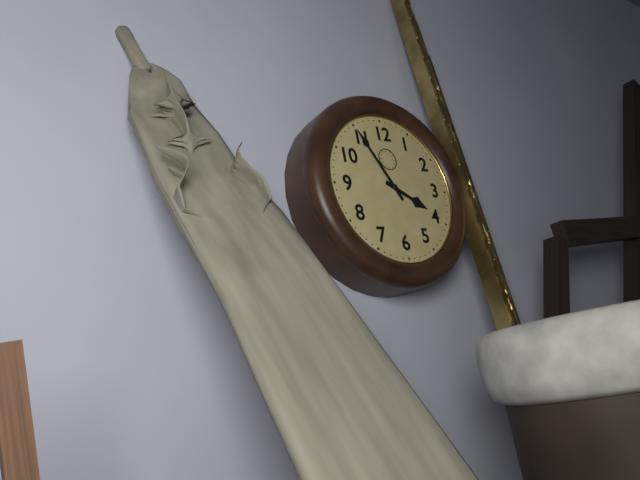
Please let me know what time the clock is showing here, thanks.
3:55
